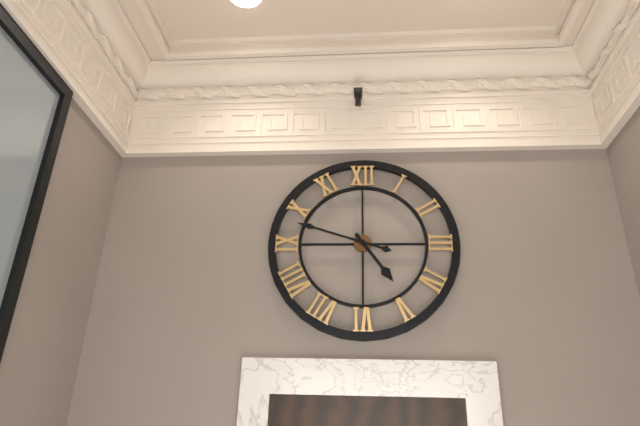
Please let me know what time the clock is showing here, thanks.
4:48
